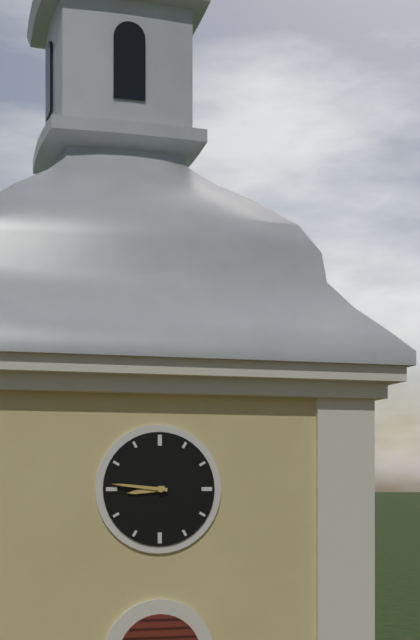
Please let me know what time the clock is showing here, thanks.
8:46
